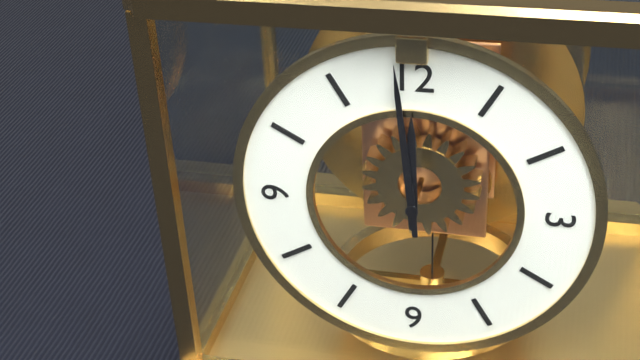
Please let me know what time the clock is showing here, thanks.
11:59
